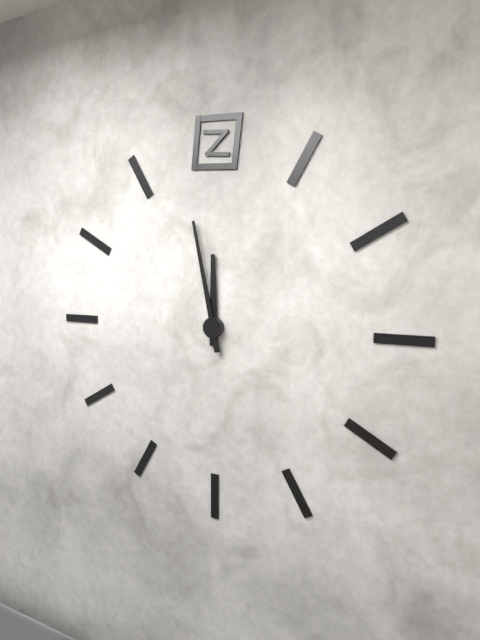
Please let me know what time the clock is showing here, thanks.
11:58
